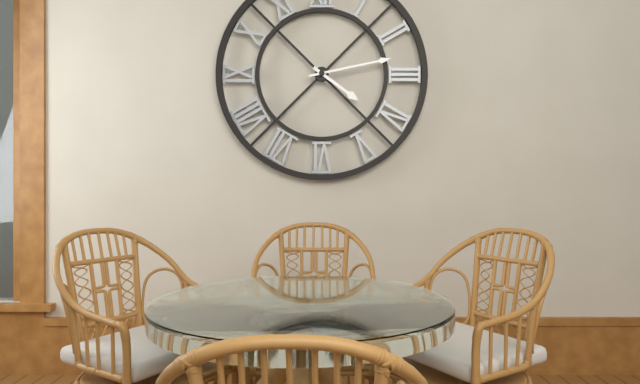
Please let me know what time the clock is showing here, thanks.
4:13
